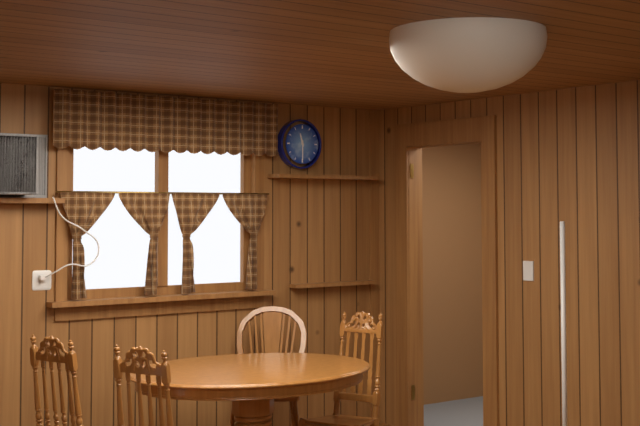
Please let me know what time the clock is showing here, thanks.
11:30
